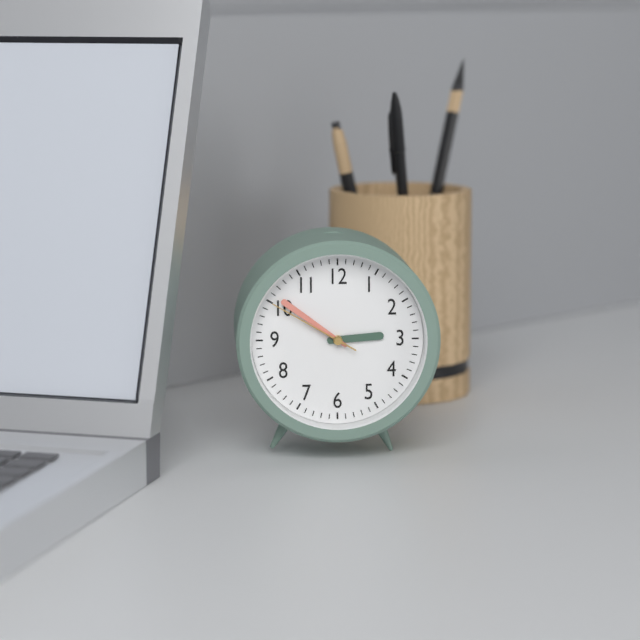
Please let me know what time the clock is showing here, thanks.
2:51:50
